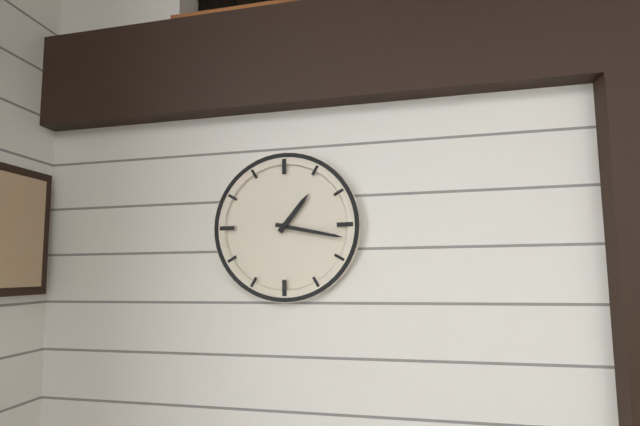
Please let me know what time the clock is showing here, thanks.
1:17
